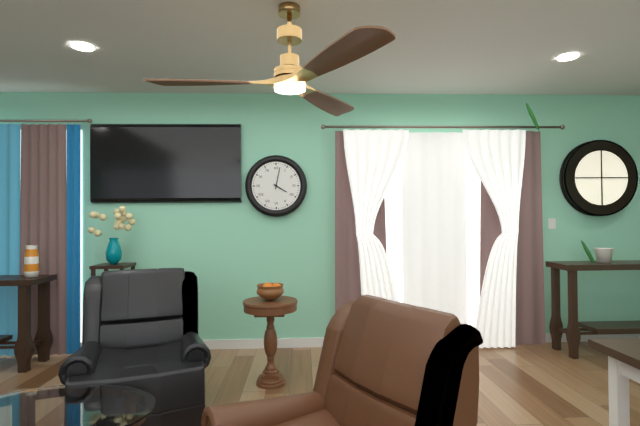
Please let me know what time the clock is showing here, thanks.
4:02
